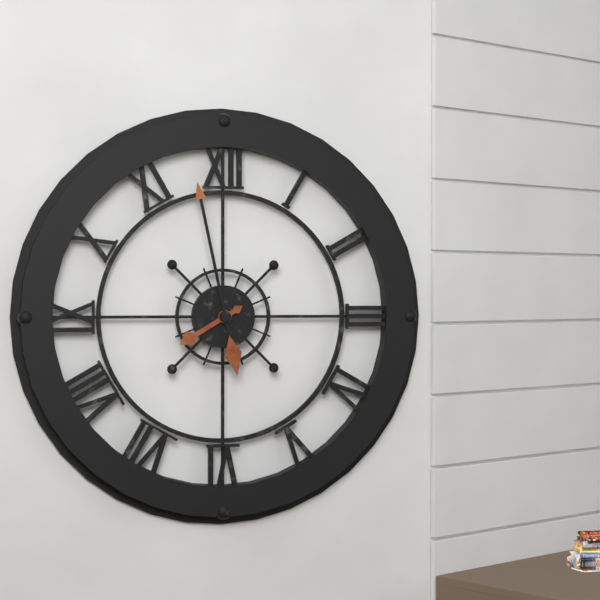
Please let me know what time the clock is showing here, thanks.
7:58
